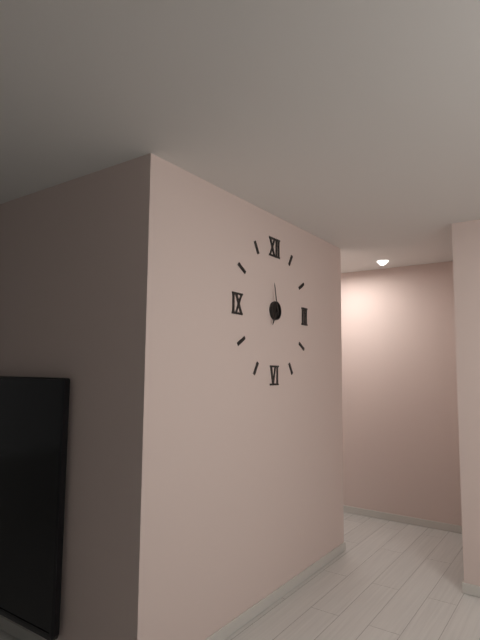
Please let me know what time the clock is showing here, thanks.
6:58
